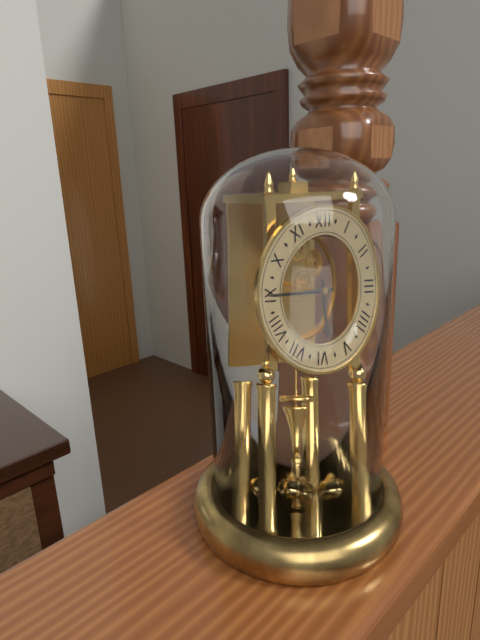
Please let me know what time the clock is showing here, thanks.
5:45
